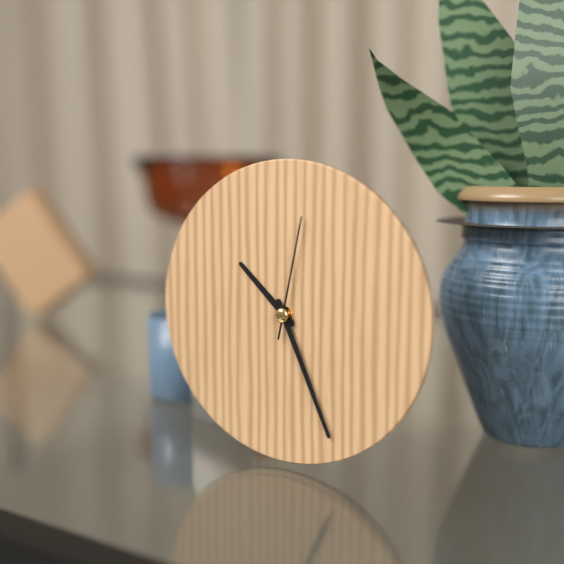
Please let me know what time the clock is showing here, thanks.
10:26:02
